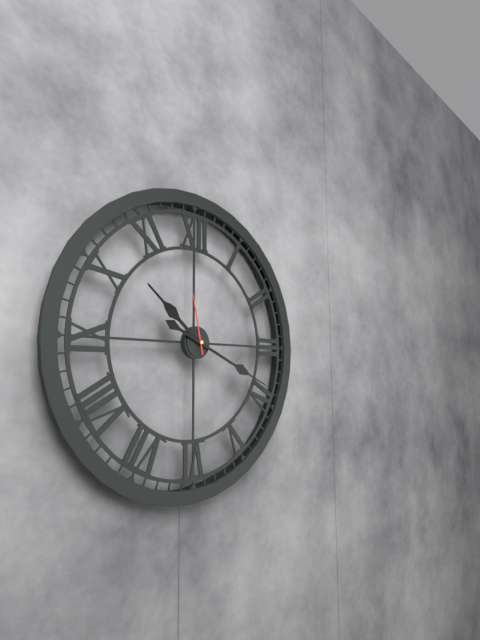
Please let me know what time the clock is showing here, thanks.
10:19:58
